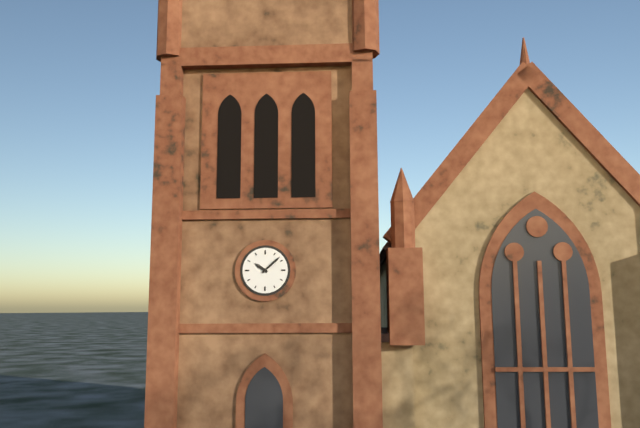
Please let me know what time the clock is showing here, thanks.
10:08
